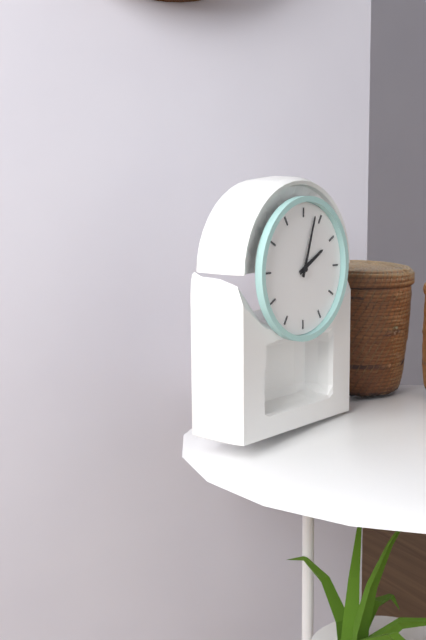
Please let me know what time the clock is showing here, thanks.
2:03
